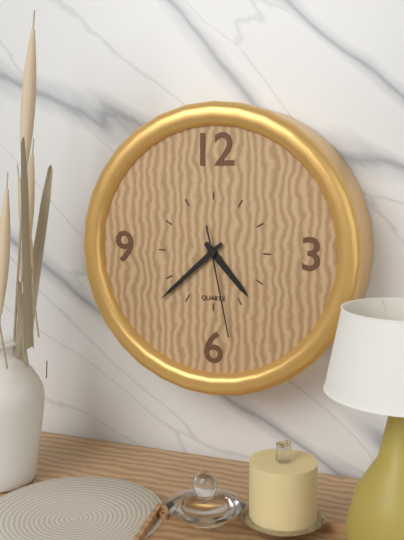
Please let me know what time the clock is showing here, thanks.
4:38:28
